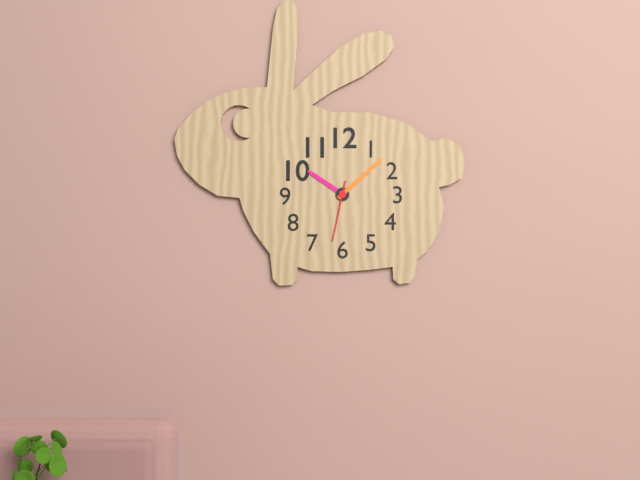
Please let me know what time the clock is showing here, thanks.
10:08:32
